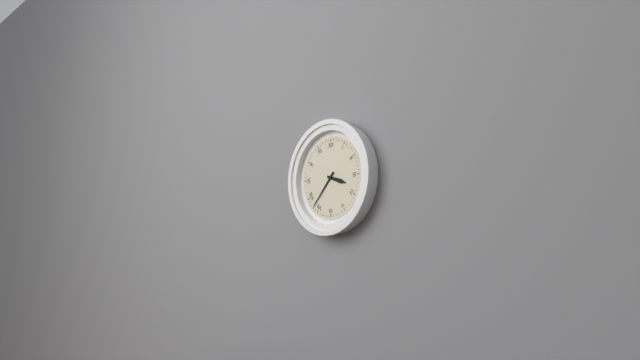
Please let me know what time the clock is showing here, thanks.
3:37
